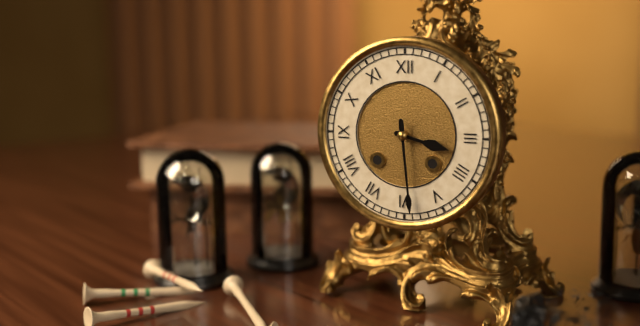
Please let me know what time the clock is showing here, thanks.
3:29
